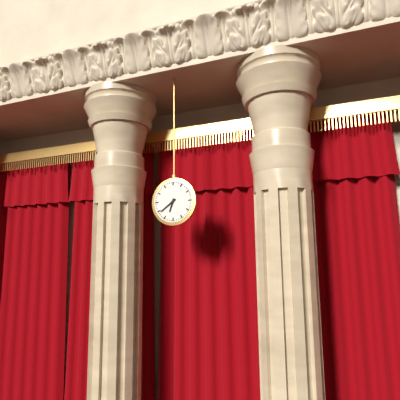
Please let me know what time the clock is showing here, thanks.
6:39
